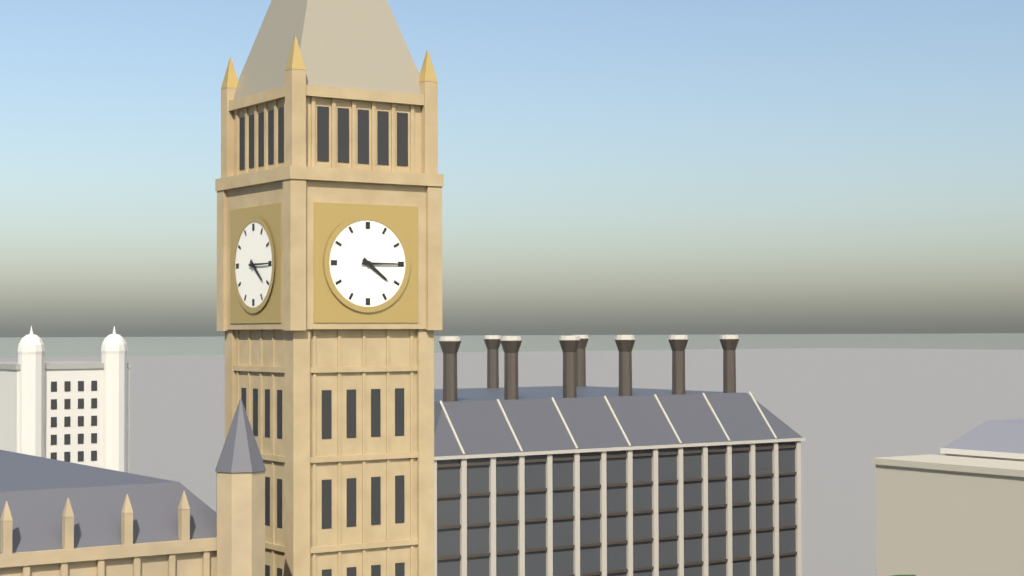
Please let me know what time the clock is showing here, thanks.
4:15
